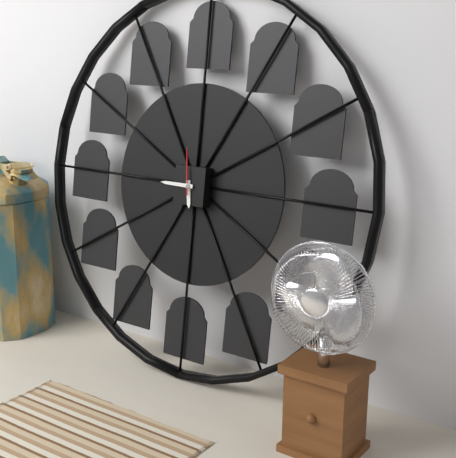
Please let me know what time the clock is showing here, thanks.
5:45
